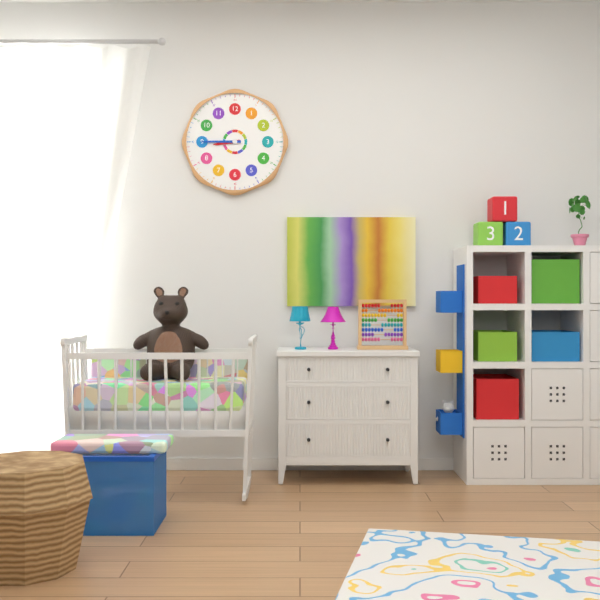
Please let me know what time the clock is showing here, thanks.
8:45
